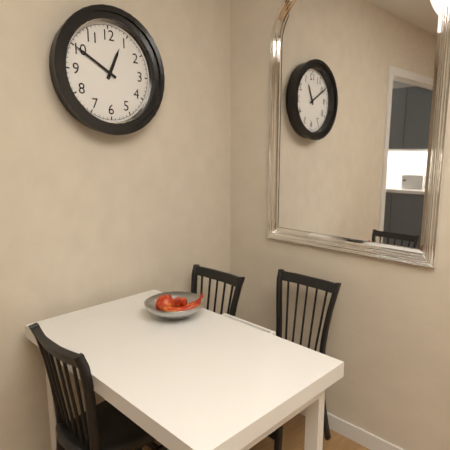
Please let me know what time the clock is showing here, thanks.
12:50
